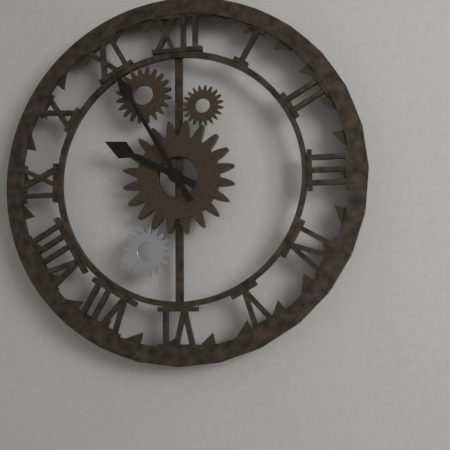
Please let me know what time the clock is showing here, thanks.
9:55
